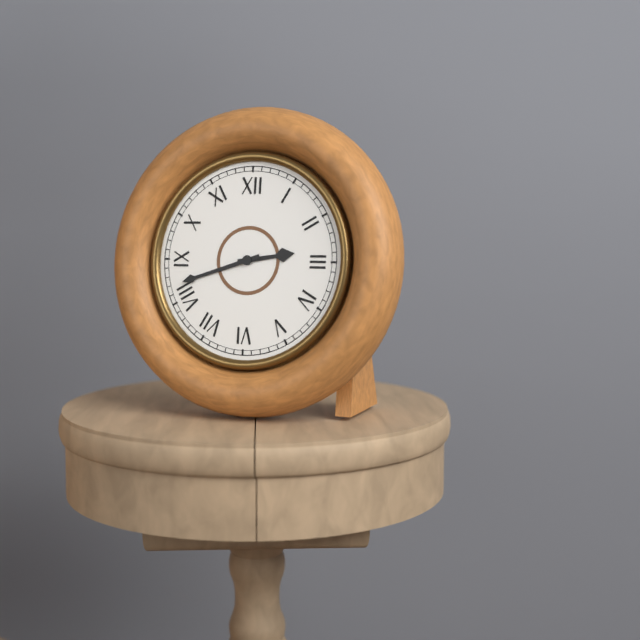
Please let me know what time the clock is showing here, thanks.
2:42
